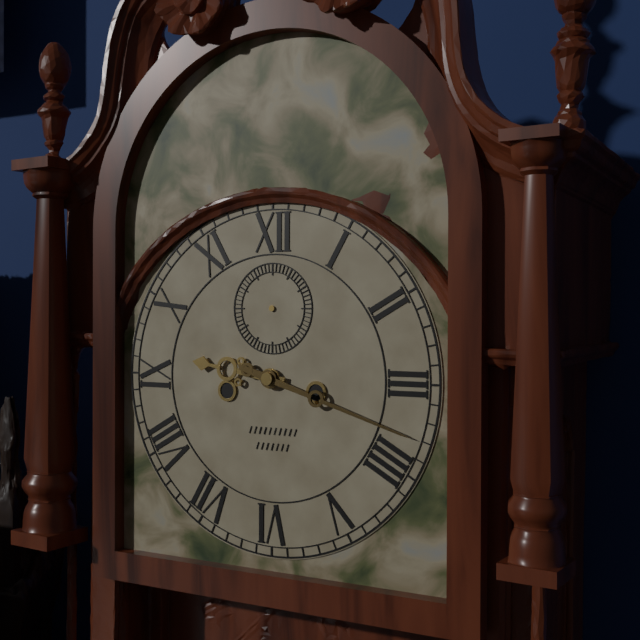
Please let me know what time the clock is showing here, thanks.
9:18
